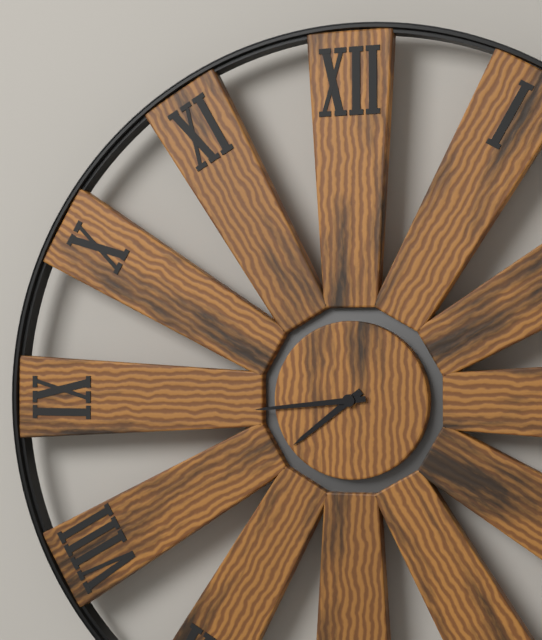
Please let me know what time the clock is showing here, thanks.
7:44
